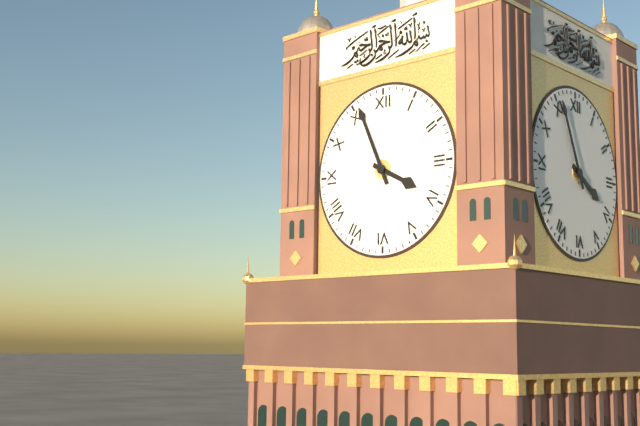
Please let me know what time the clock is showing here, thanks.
3:56
